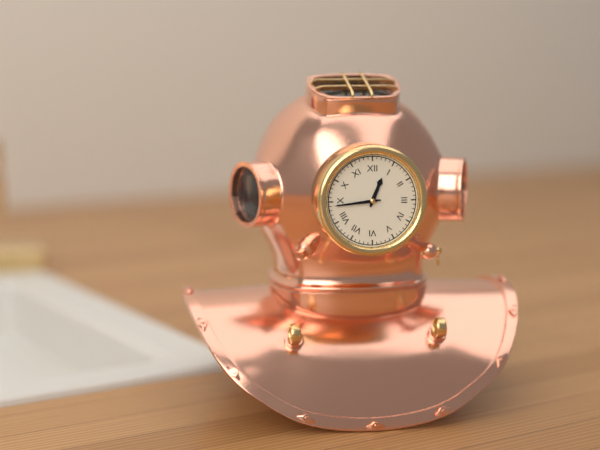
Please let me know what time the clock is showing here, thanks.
12:44
